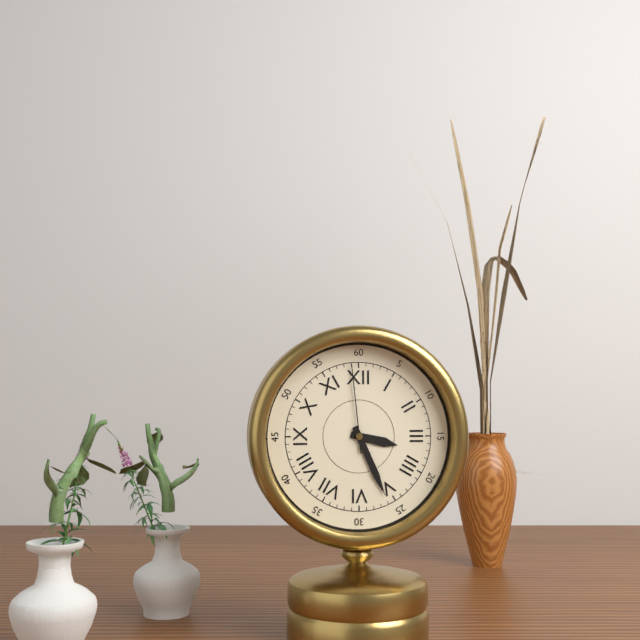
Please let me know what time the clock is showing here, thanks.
3:26:59
